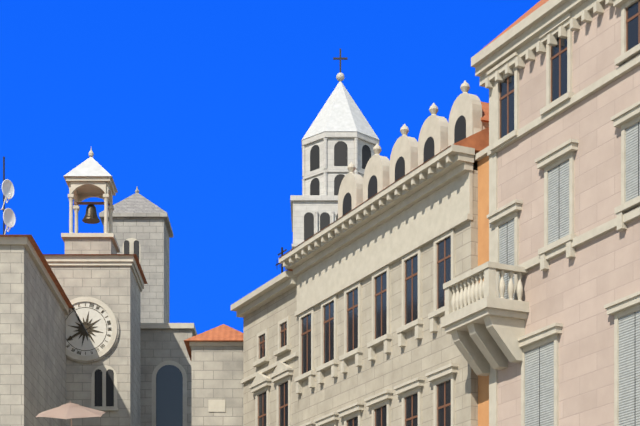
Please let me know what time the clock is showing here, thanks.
7:55
